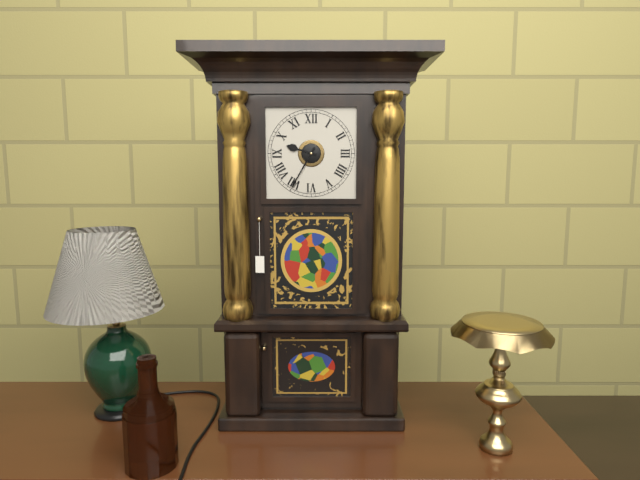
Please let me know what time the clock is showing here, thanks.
9:35
